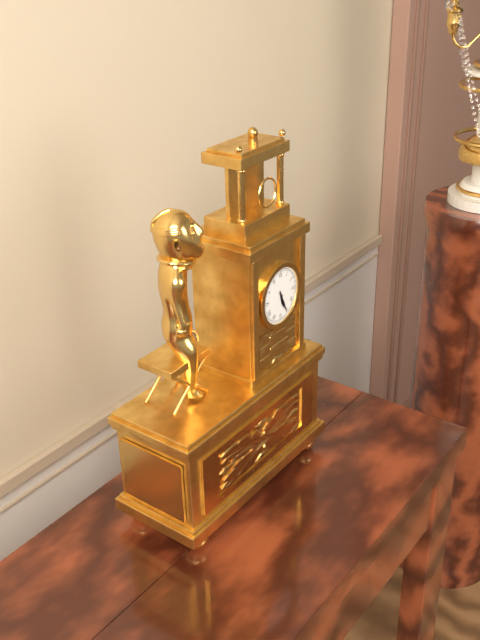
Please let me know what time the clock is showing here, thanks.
5:26
